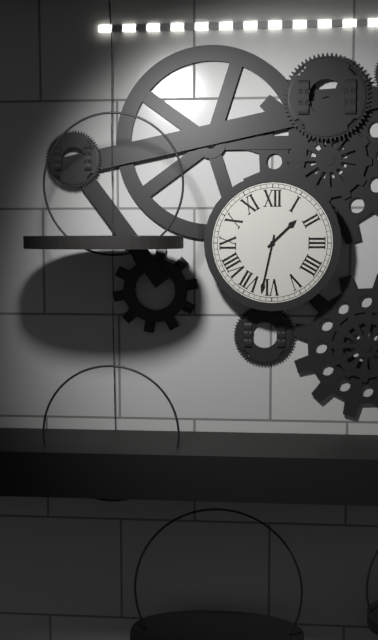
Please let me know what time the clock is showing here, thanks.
1:32
